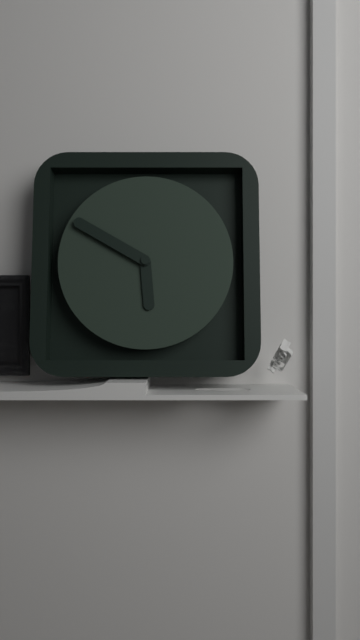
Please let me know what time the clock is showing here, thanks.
5:50
